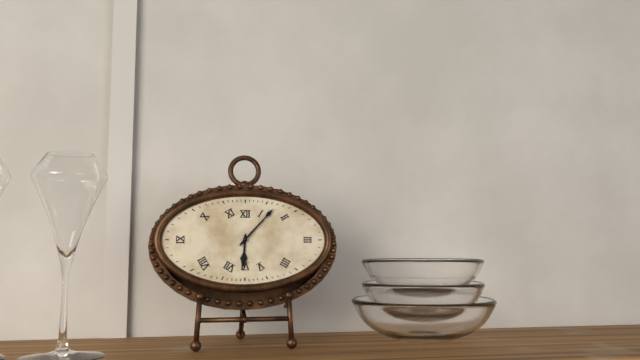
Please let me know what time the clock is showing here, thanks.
6:07
